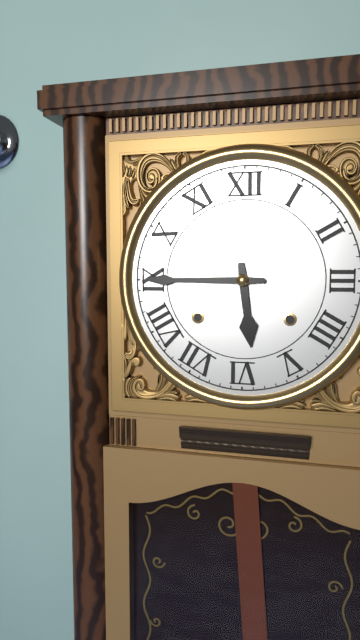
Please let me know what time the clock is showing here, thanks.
5:45
